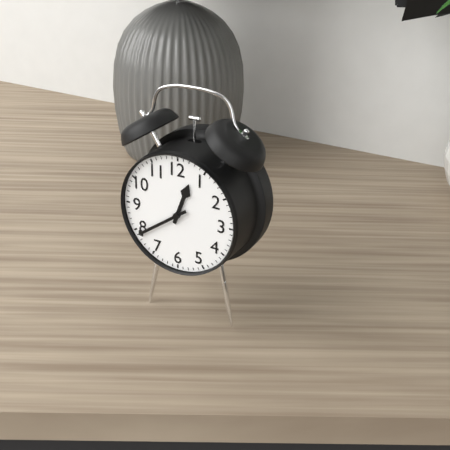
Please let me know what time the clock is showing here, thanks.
12:39
